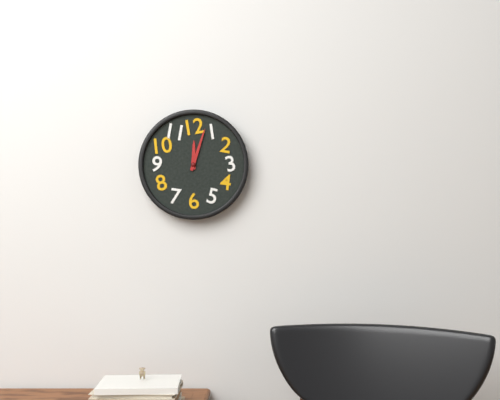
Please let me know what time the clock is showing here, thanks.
12:03
